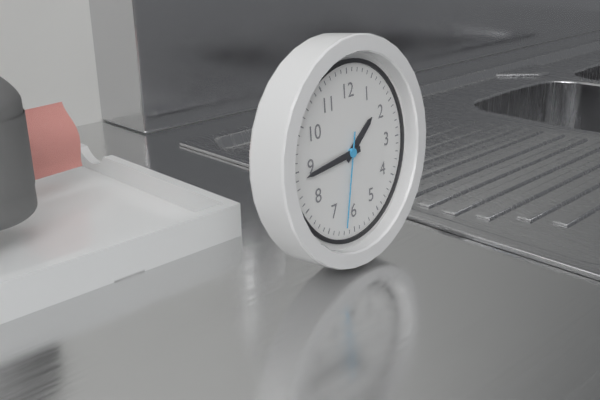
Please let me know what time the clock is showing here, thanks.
1:44:32
